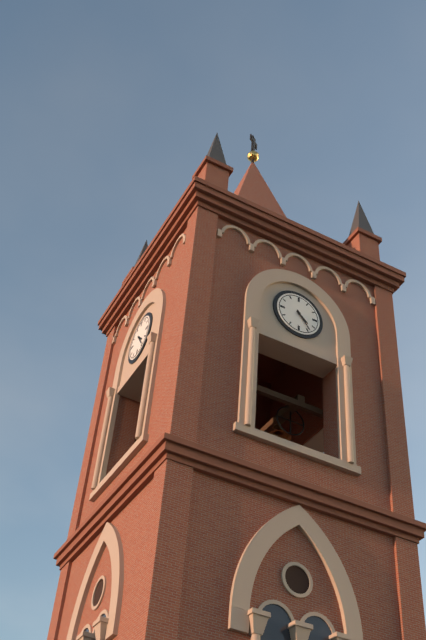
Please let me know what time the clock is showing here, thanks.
4:24
